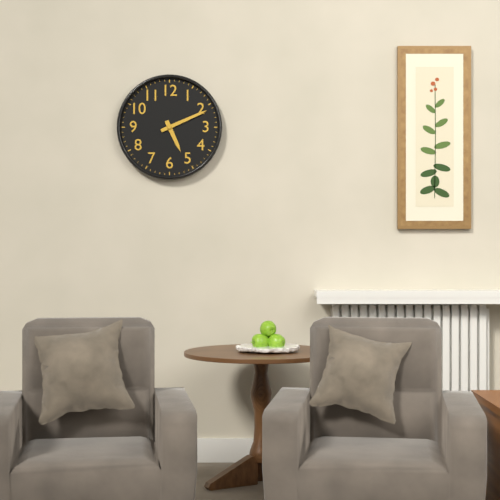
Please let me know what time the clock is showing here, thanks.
5:11
